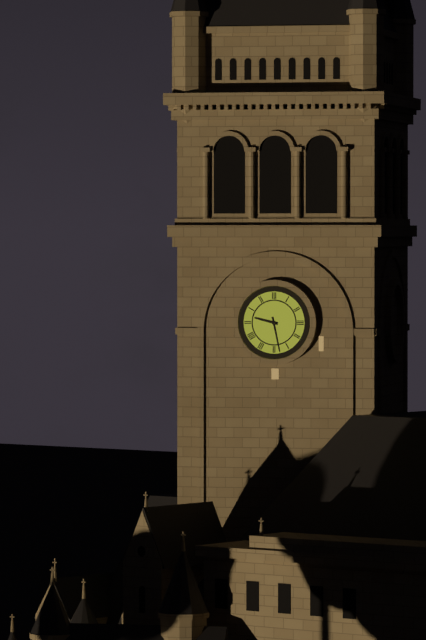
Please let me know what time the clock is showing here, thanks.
9:28
